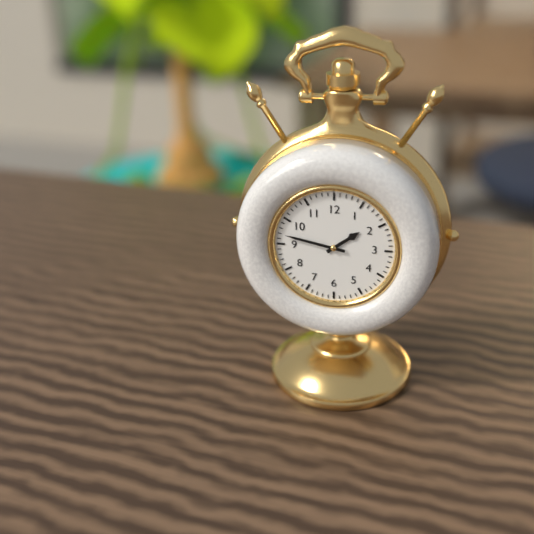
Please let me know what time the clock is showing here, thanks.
1:47
